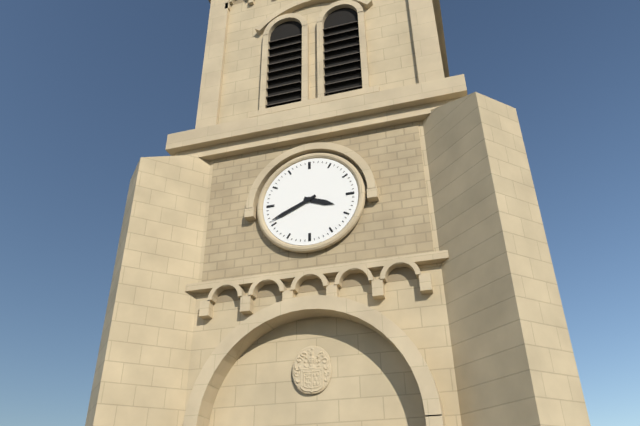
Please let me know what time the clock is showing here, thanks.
3:41
